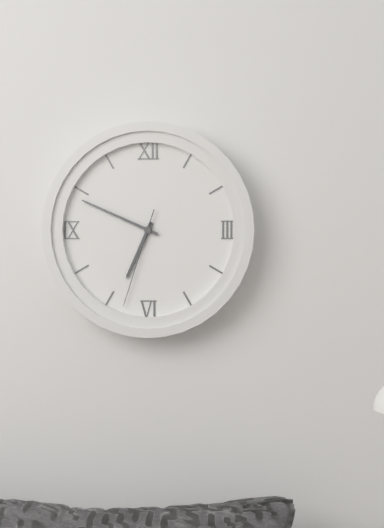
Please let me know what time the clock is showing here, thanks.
6:49:33
